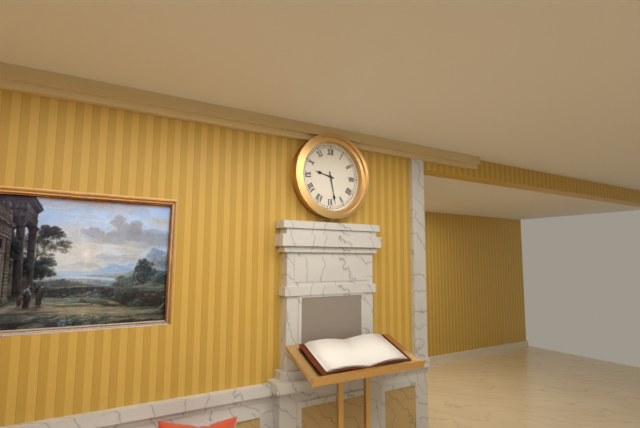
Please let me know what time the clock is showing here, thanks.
9:28
